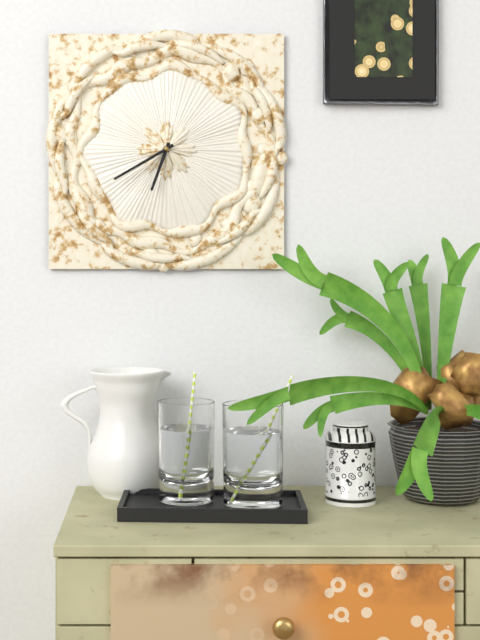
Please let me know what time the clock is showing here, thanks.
6:40
